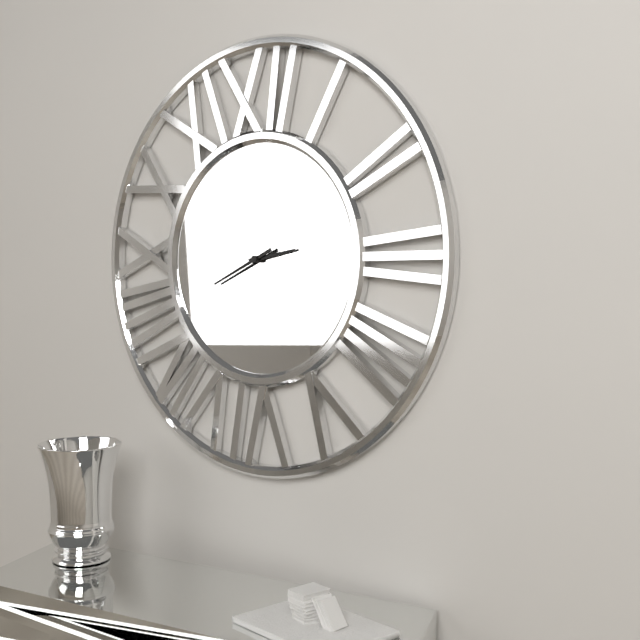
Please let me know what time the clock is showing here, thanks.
2:41
